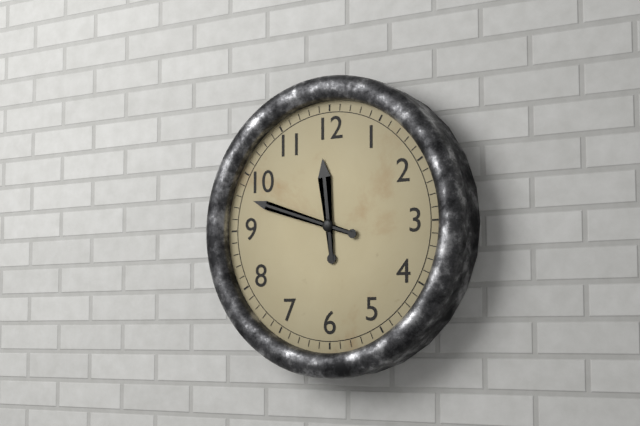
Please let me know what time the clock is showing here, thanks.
11:48
